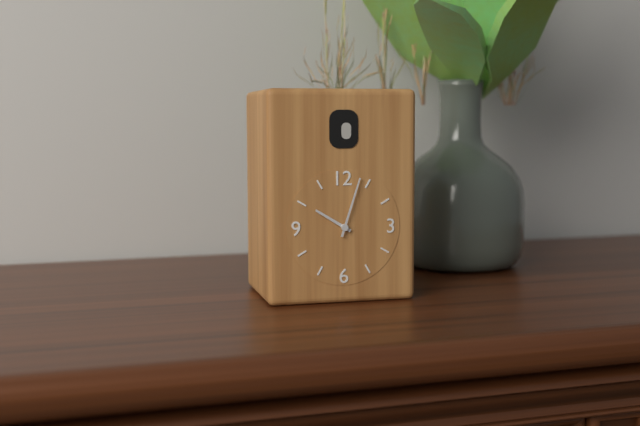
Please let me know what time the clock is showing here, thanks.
10:03
